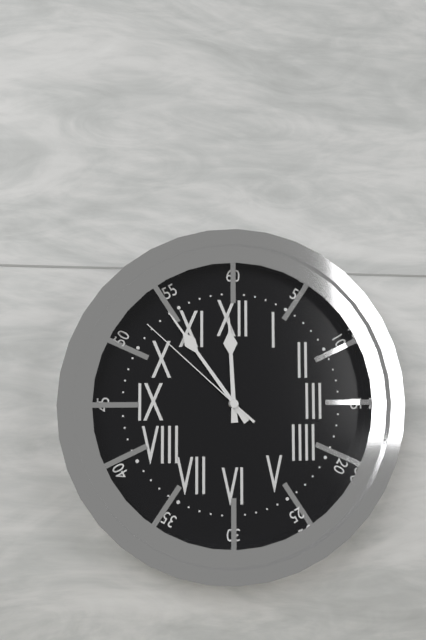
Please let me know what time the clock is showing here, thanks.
11:54:52
